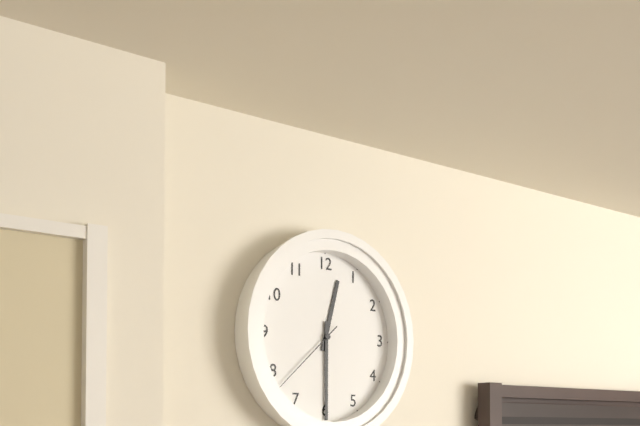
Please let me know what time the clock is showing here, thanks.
12:30:38
